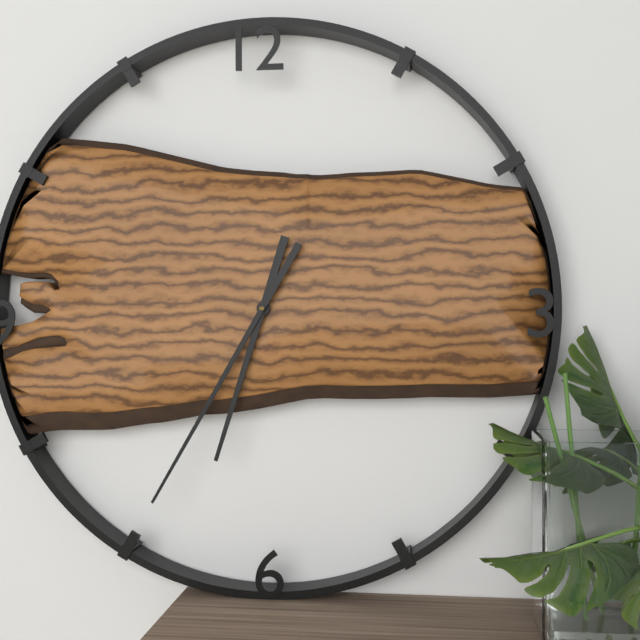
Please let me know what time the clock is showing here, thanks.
6:35
